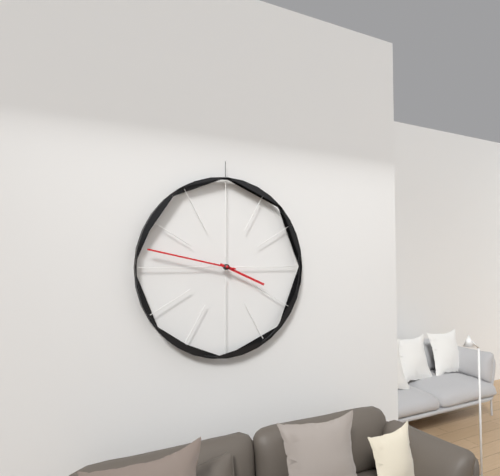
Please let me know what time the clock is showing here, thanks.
3:47
